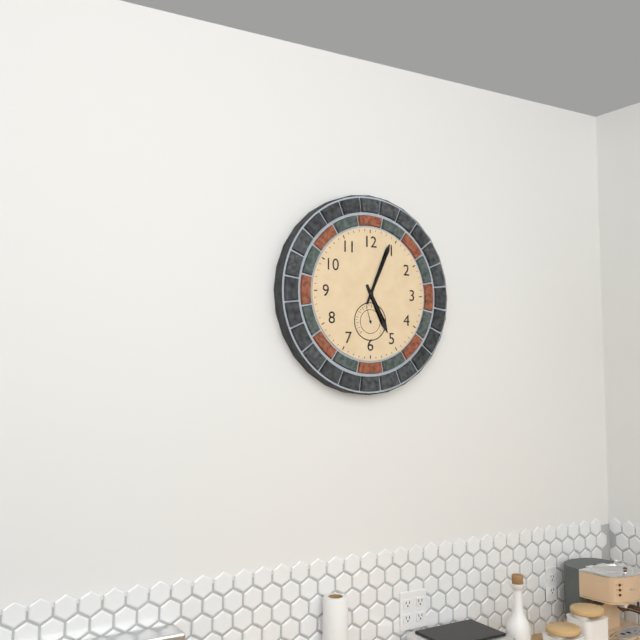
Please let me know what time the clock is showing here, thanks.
5:04
